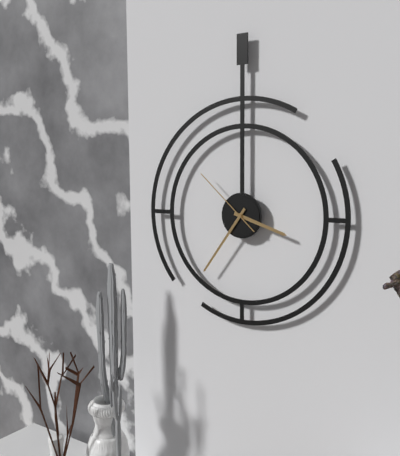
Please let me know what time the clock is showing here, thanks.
3:36:52
